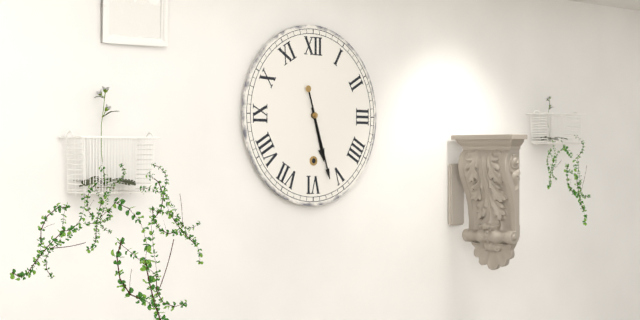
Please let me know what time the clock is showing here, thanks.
5:27
